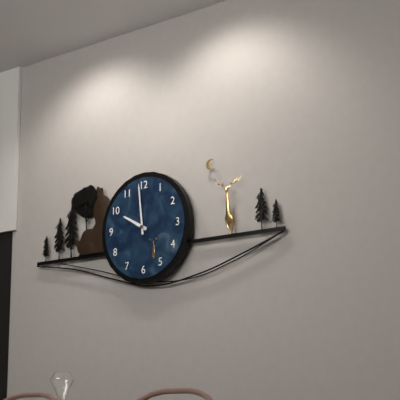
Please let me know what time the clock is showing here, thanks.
9:59
